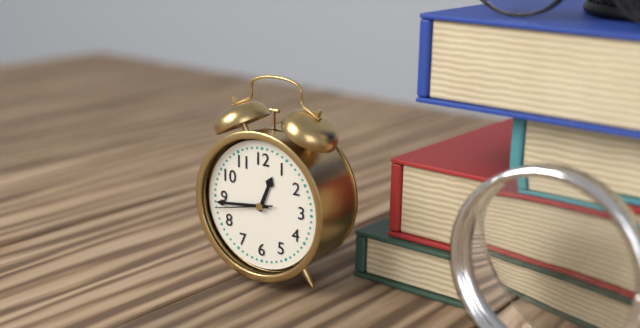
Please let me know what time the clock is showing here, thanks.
12:44:43
